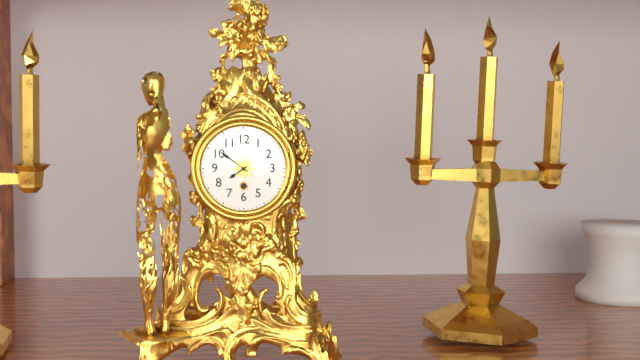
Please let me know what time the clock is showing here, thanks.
7:51
